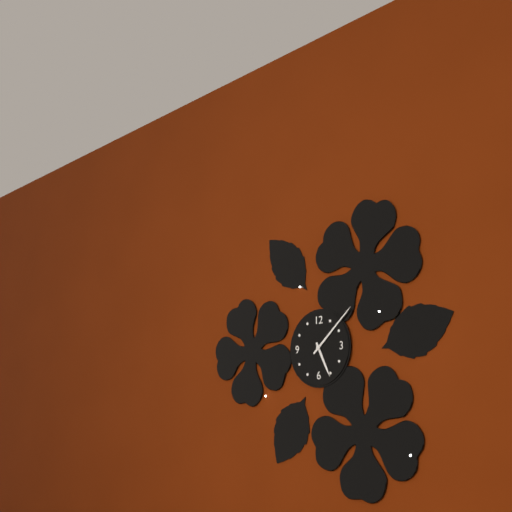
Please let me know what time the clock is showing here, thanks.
5:08
